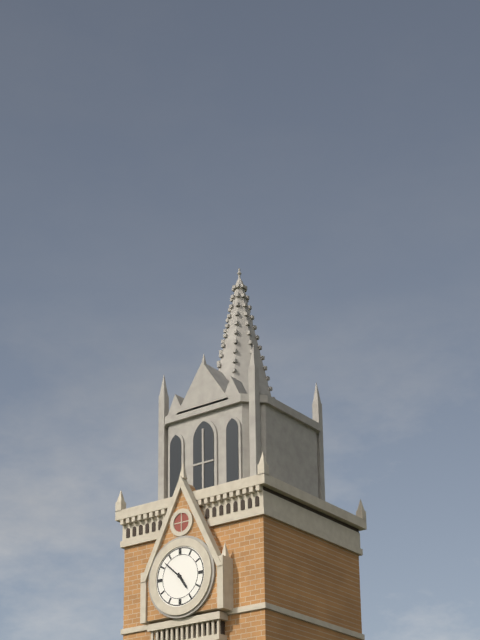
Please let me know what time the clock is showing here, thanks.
4:52
